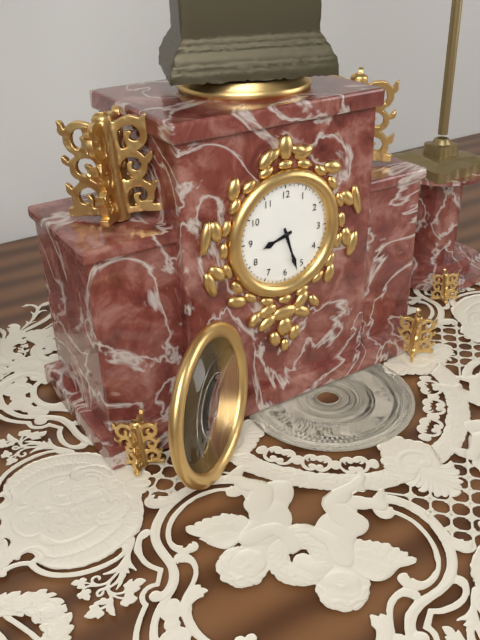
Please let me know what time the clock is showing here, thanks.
8:27
